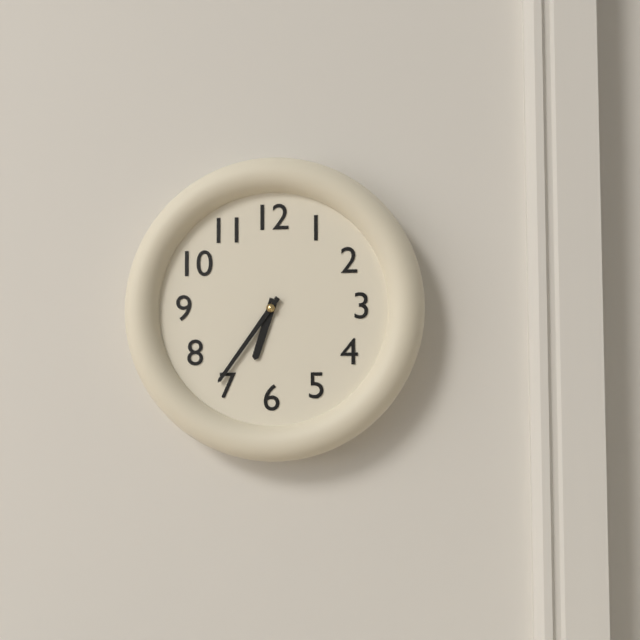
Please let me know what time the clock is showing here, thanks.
6:36
